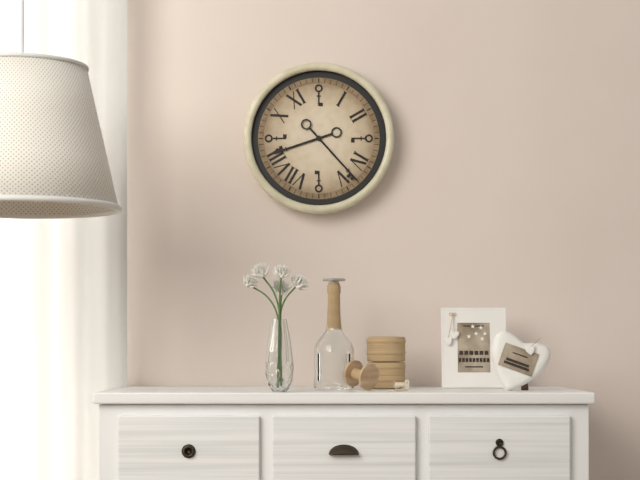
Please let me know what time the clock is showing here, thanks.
8:23
